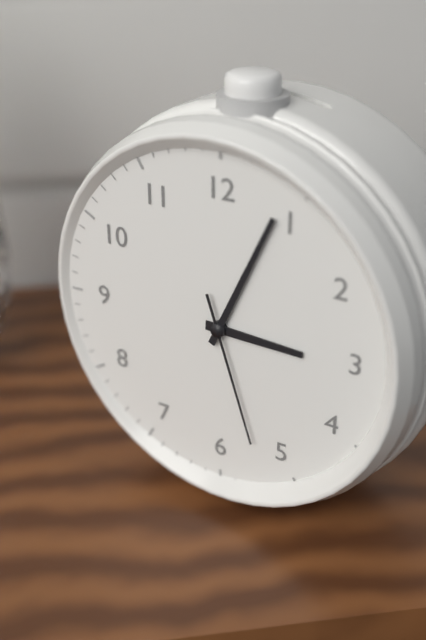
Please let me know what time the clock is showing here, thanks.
3:04:27
